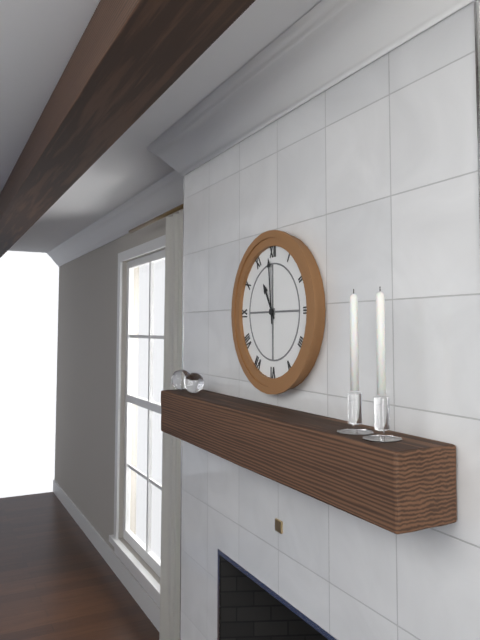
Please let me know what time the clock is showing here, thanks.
10:59
